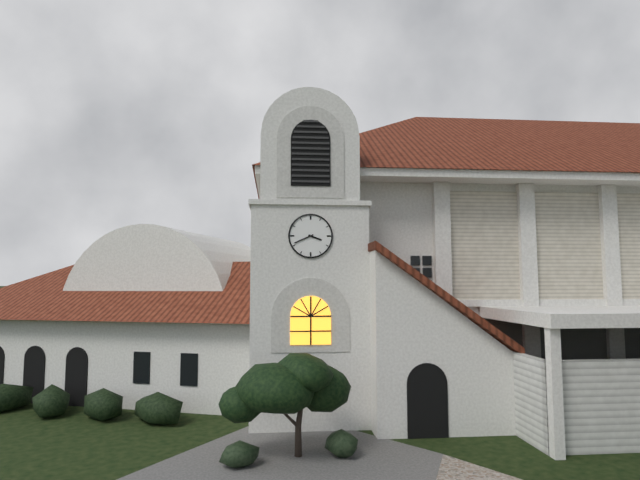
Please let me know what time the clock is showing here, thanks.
3:41
